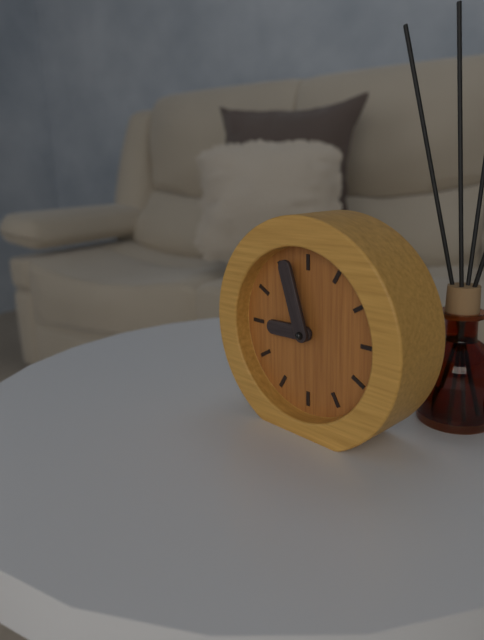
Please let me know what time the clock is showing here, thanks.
8:57
